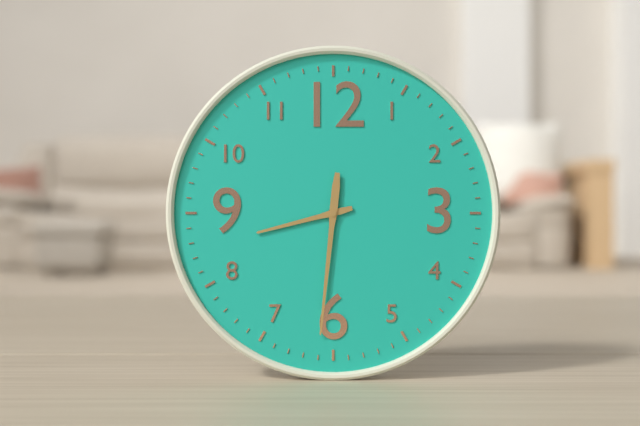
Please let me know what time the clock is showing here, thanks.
8:31
